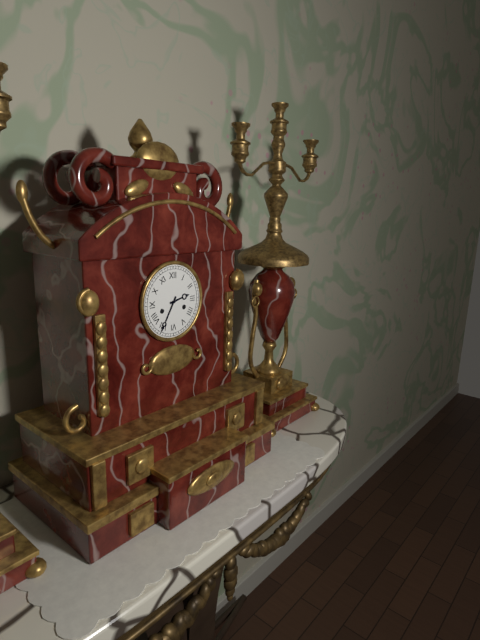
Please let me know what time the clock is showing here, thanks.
2:35
